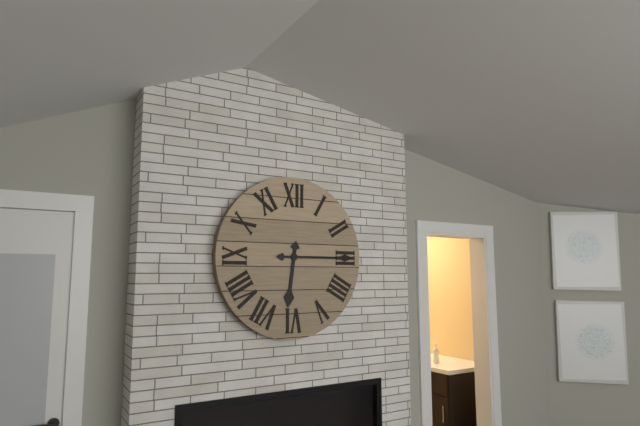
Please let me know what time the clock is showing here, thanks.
6:15
